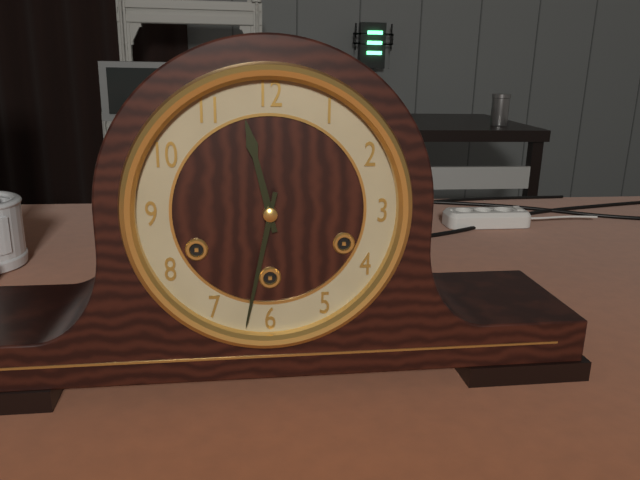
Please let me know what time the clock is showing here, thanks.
11:32
